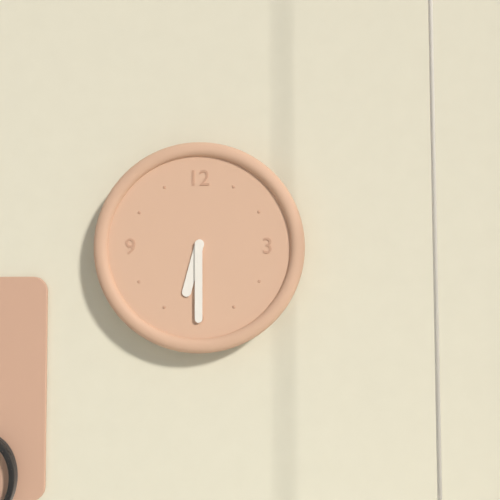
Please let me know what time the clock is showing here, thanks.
6:30
